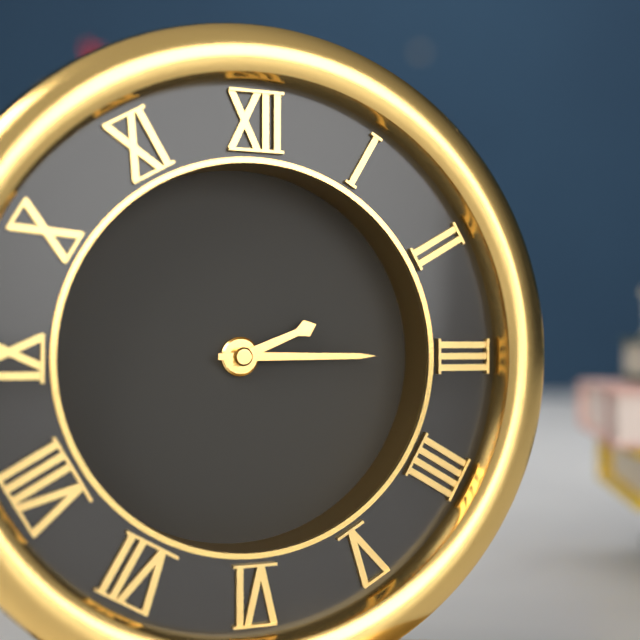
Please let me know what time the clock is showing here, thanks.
2:15
